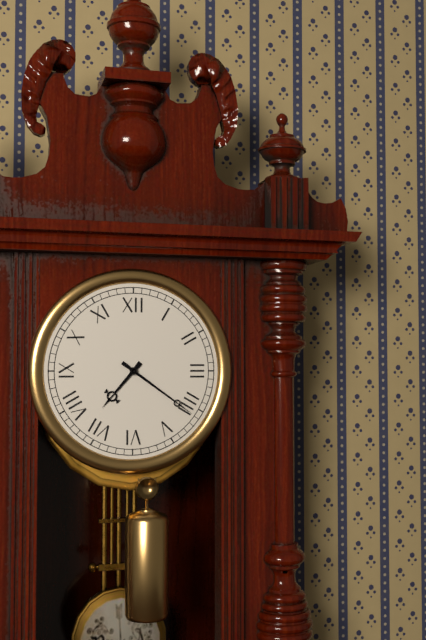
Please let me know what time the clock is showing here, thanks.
7:21
